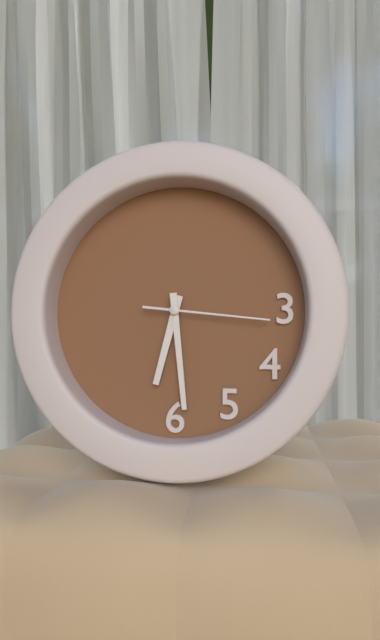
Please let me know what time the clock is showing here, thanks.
6:29:16
